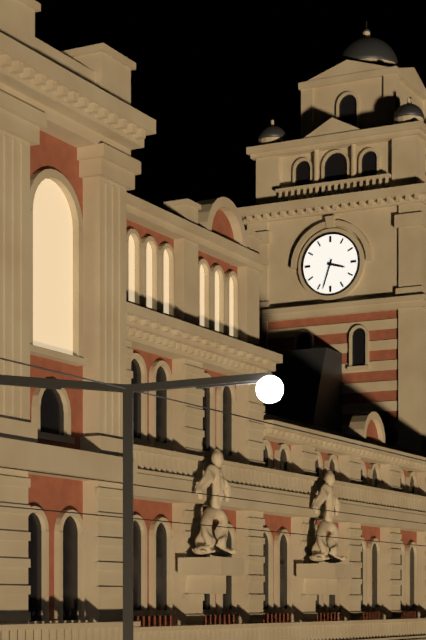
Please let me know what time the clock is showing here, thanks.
3:33
